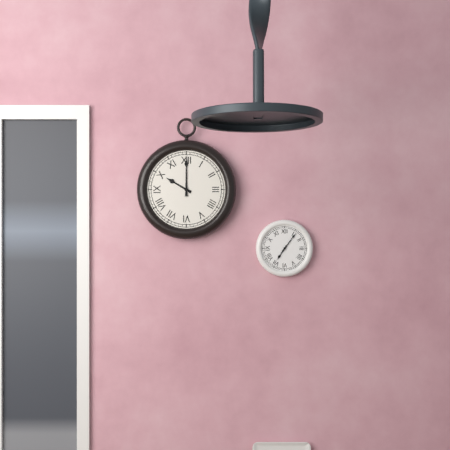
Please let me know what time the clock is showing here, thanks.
10:00
